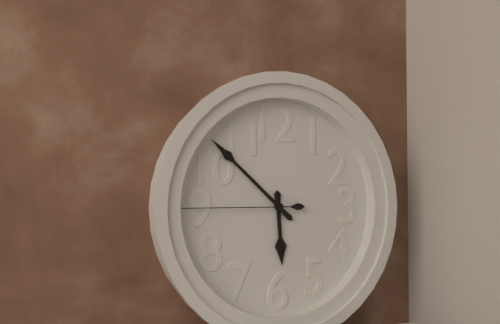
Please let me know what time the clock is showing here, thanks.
5:52:45
